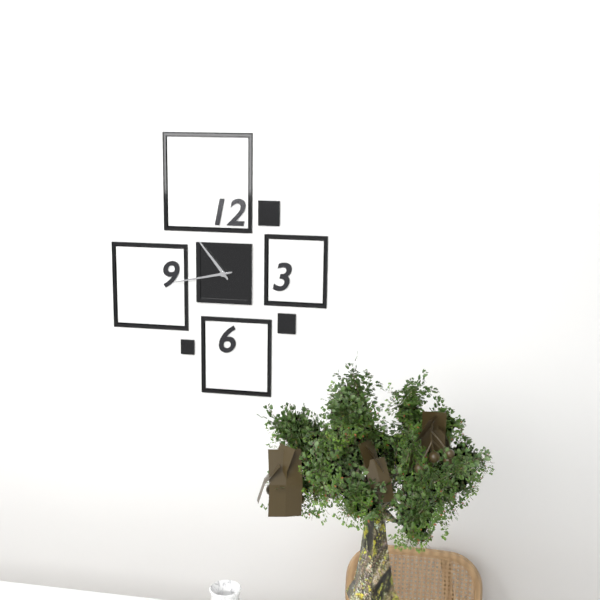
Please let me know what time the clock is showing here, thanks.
10:43
